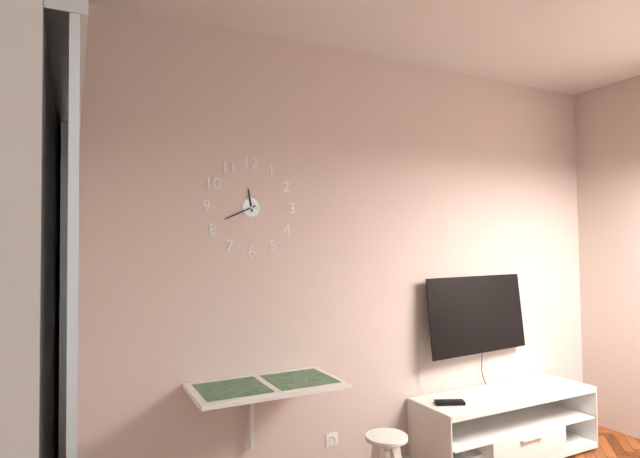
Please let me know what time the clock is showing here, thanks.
11:41
